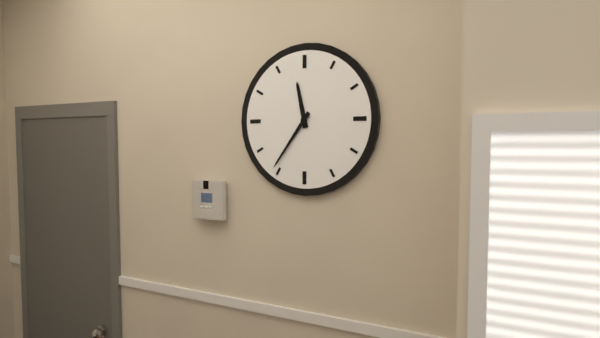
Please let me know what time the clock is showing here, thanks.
11:36
